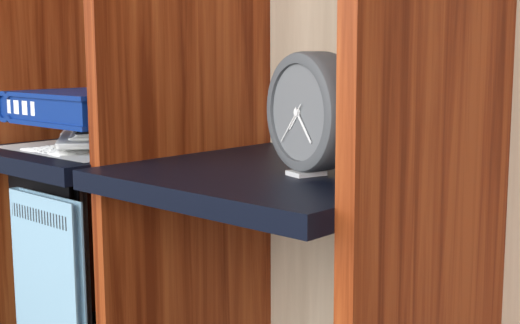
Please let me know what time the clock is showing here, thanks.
7:23
